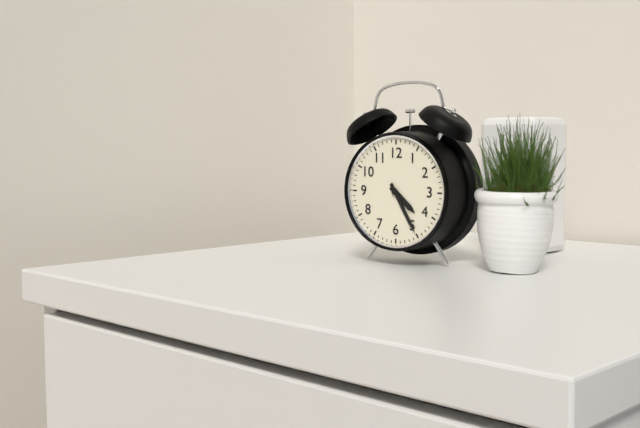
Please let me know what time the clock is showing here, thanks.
4:25
